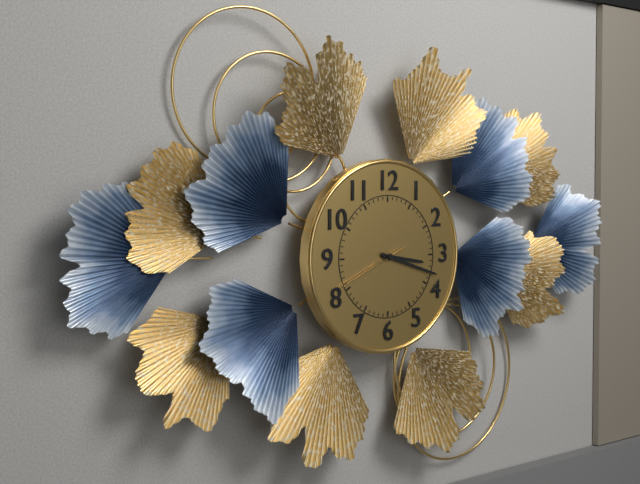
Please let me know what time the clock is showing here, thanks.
3:18:41
